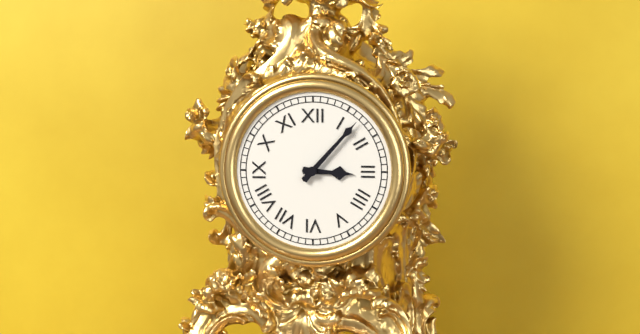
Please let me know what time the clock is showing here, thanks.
3:07
